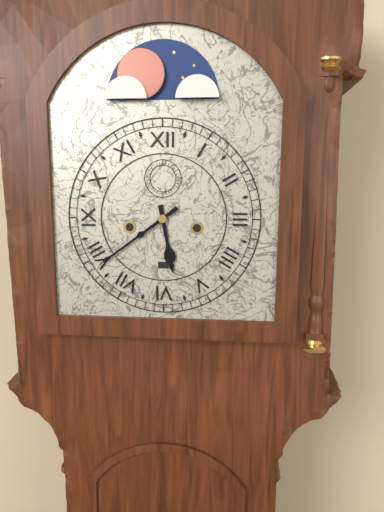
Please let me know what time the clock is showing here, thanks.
5:39
